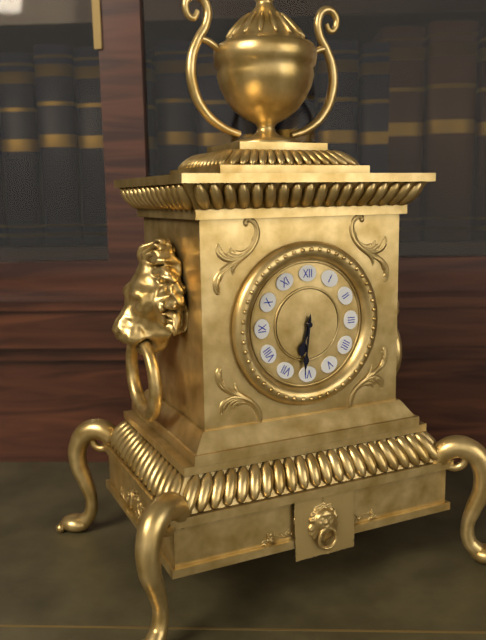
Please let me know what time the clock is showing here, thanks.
6:31
